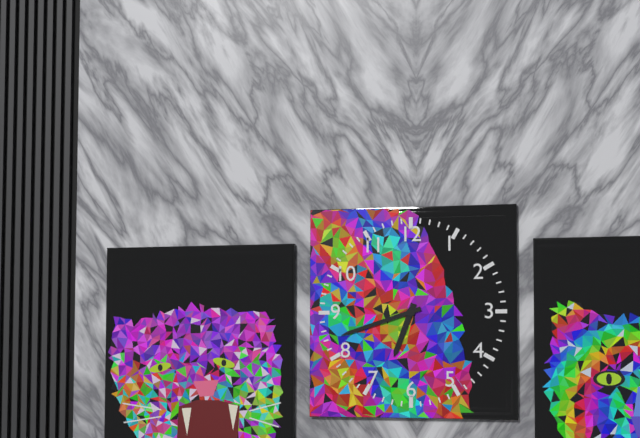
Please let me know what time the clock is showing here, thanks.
6:42
